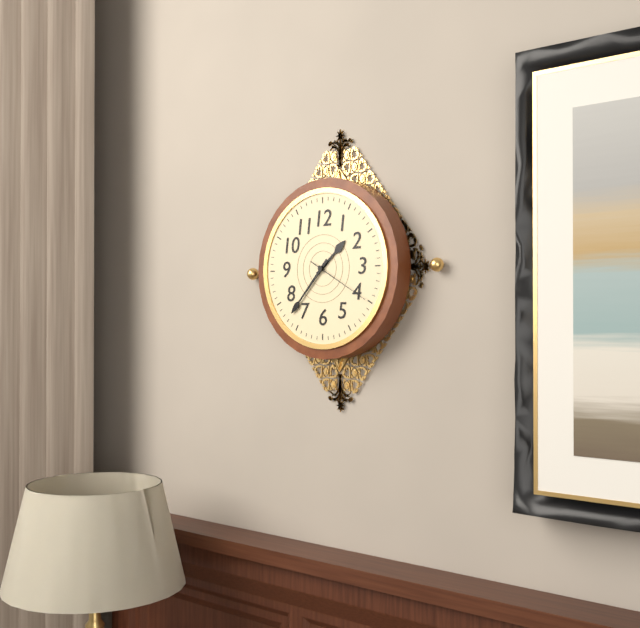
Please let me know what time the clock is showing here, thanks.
1:37:20
